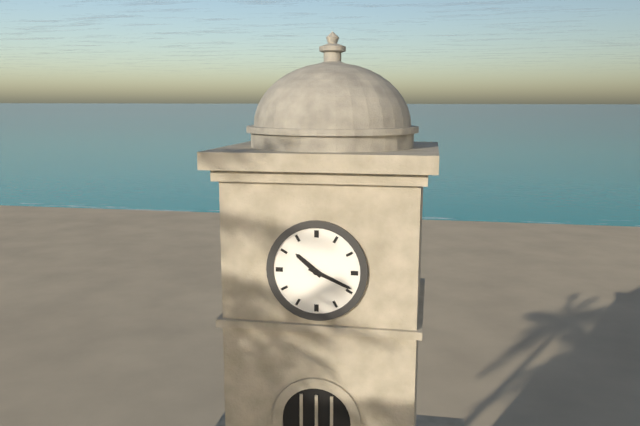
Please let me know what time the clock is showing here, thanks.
10:19
